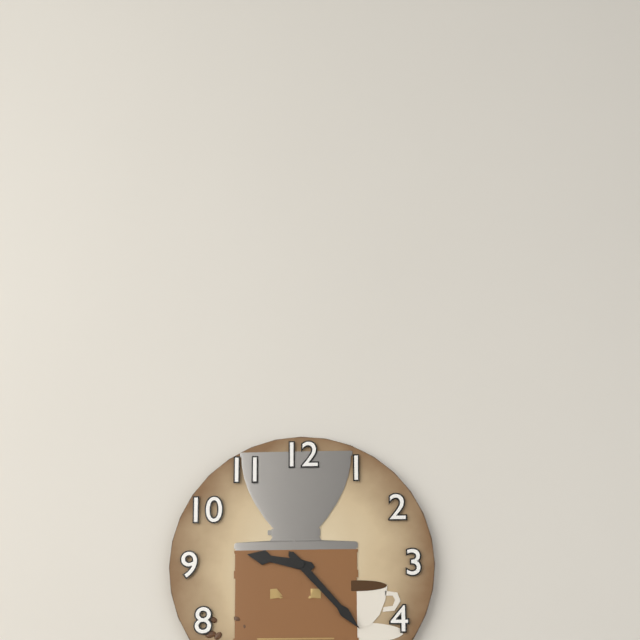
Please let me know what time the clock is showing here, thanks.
9:23
